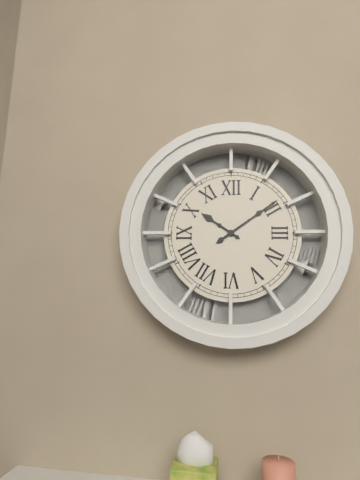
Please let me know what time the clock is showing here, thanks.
10:09
